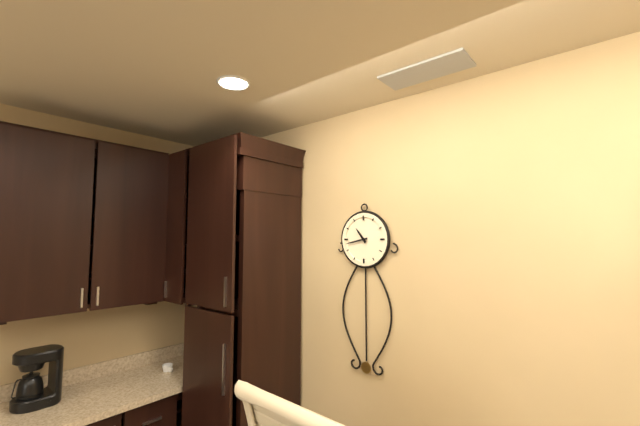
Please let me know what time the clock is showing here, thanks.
10:43
